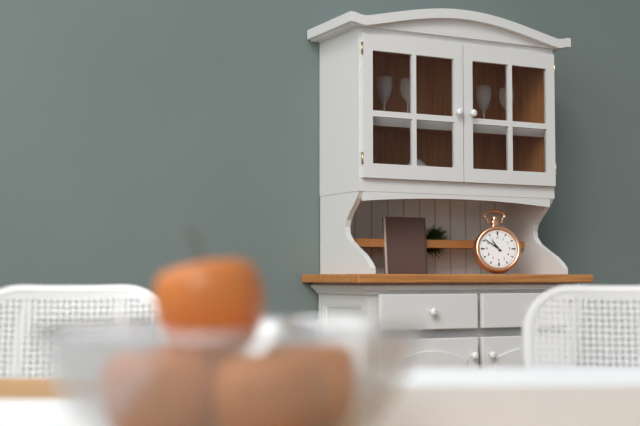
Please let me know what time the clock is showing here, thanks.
10:51
